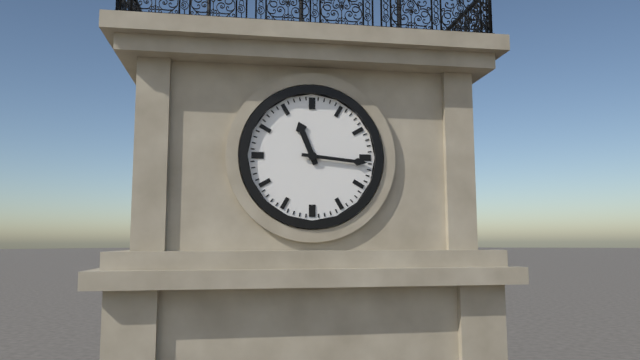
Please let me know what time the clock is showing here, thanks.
11:16
